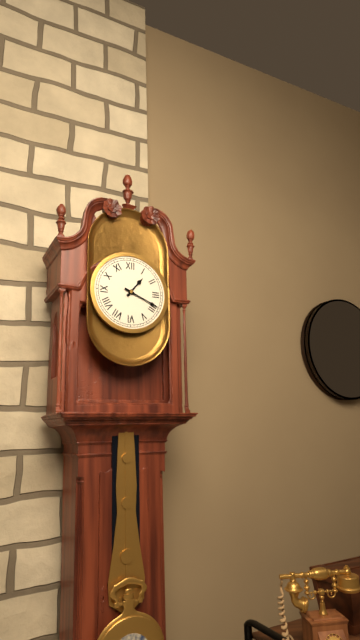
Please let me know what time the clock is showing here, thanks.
1:19
